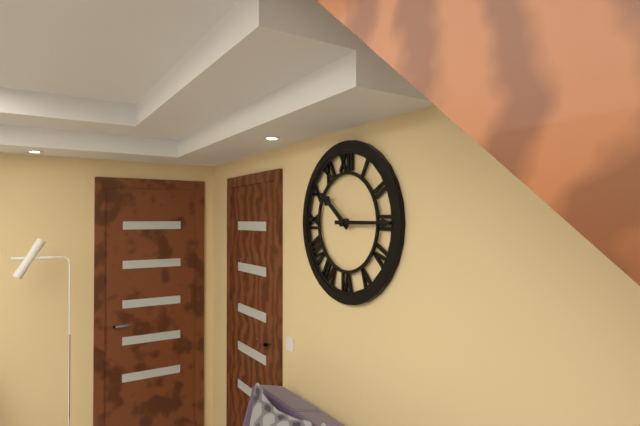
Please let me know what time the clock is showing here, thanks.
10:15
